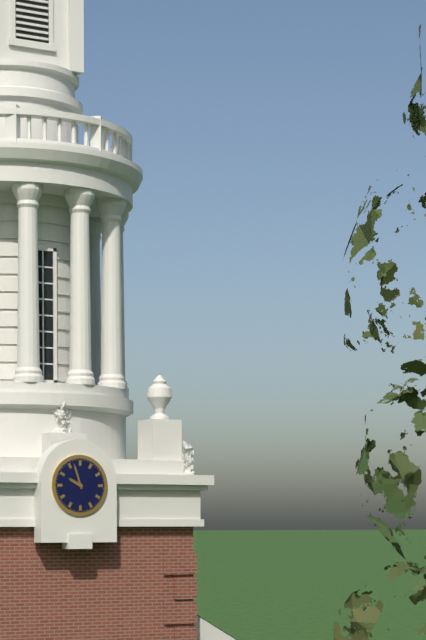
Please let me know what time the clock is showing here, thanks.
9:57
